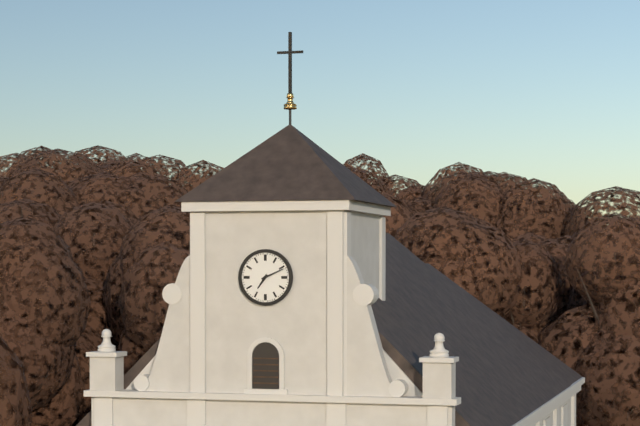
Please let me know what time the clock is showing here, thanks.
7:11
